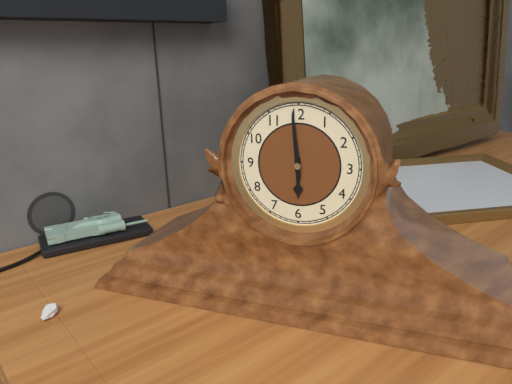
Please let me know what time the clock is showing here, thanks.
5:59
